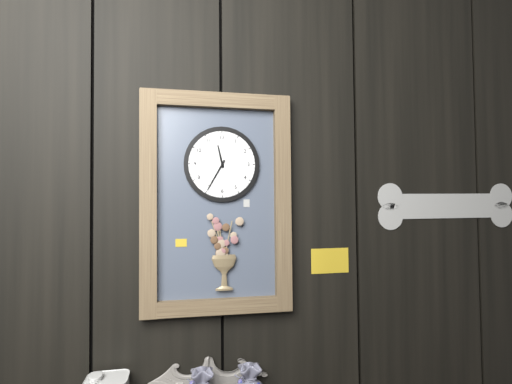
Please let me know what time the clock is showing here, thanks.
11:35
